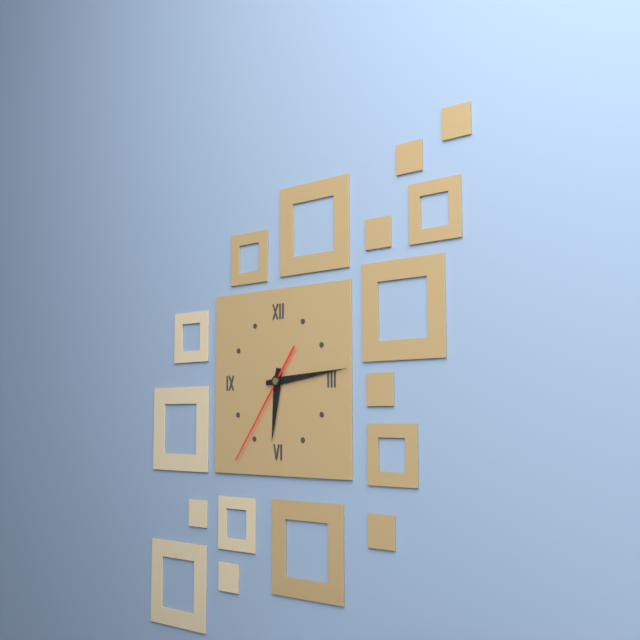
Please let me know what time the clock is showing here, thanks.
6:14:36
